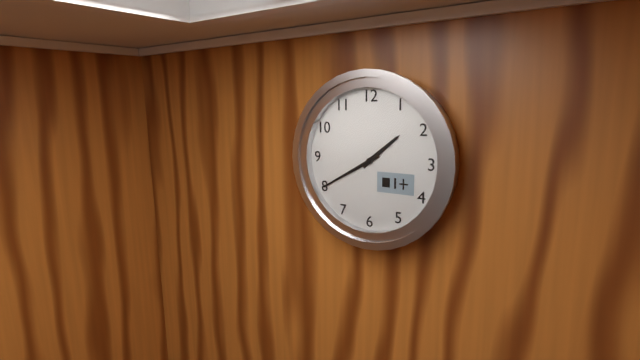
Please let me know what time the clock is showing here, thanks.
1:40
